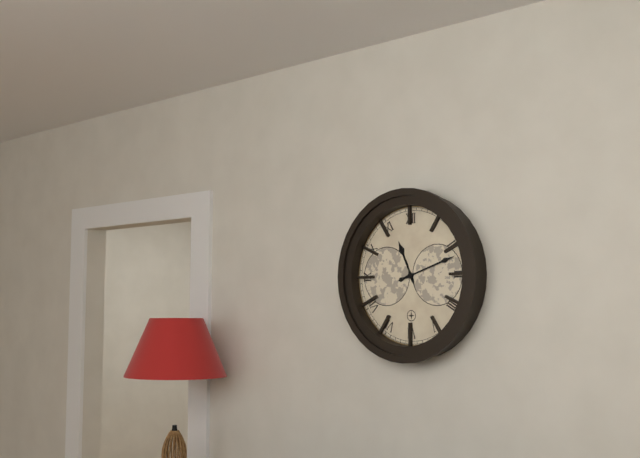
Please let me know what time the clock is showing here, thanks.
11:12
